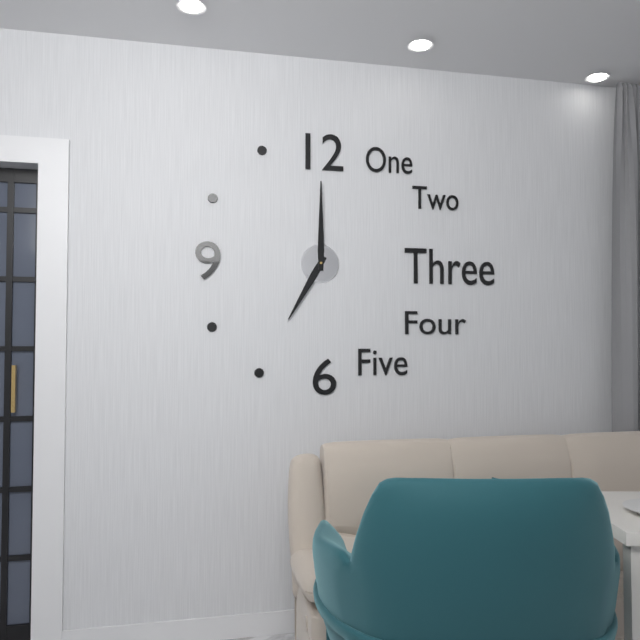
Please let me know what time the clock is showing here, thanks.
7:00
